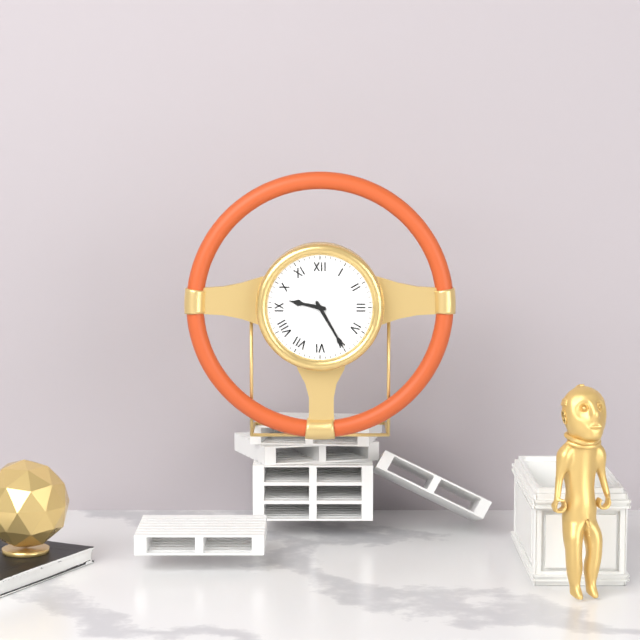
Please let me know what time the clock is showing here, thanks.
9:25
